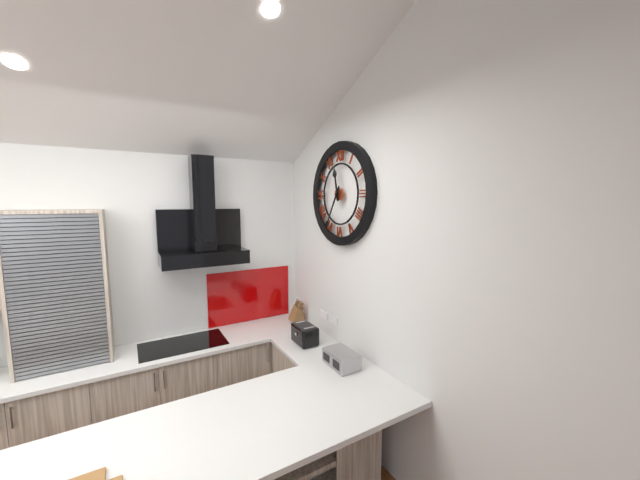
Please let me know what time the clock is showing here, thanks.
11:35
